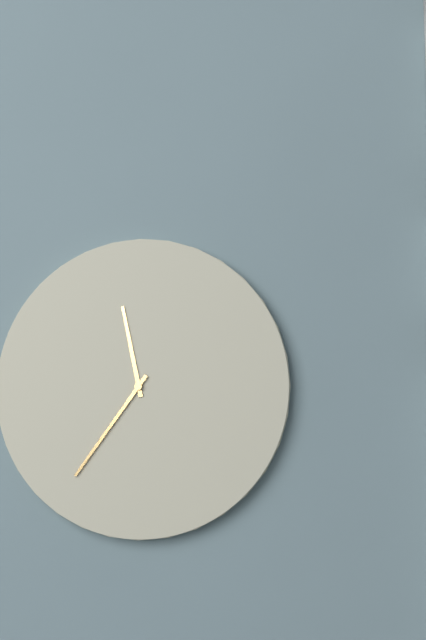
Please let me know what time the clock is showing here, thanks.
11:36
